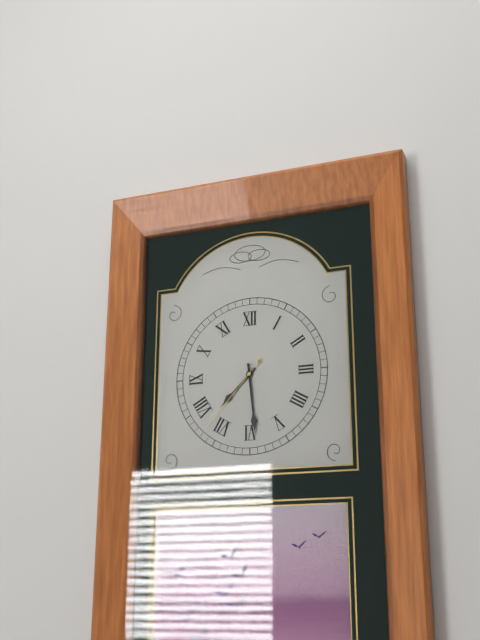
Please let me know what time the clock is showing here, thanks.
7:29:37
